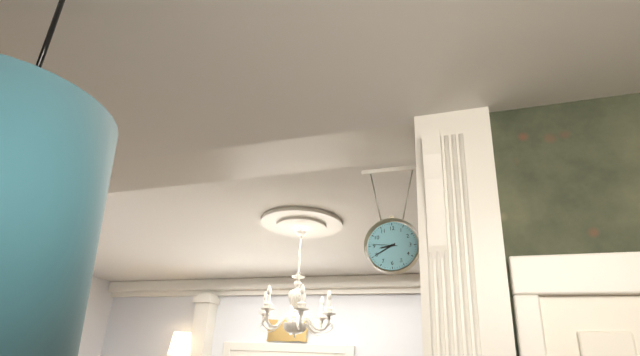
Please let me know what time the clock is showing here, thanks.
8:40
